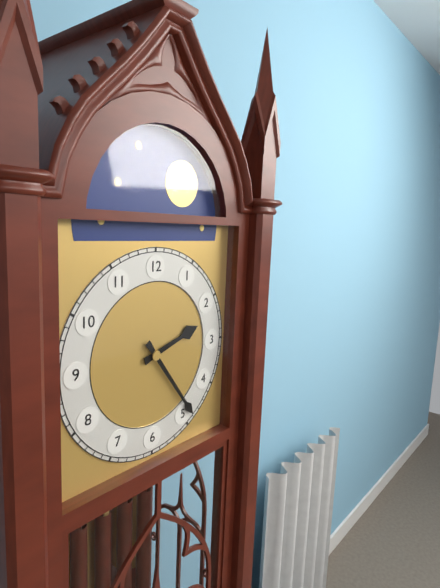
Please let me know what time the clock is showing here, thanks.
2:24
